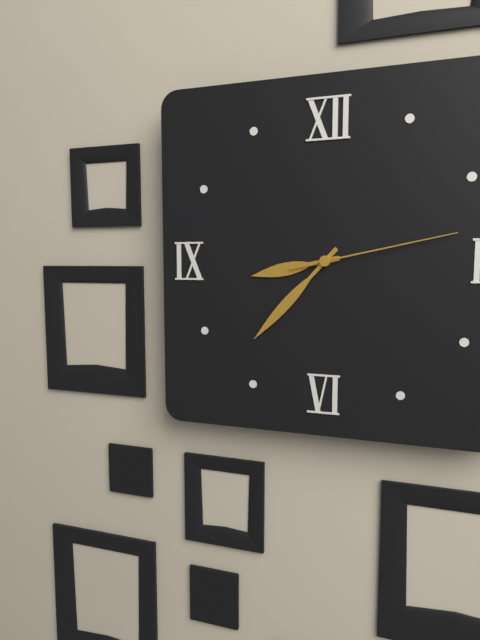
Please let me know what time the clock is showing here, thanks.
8:37:13
